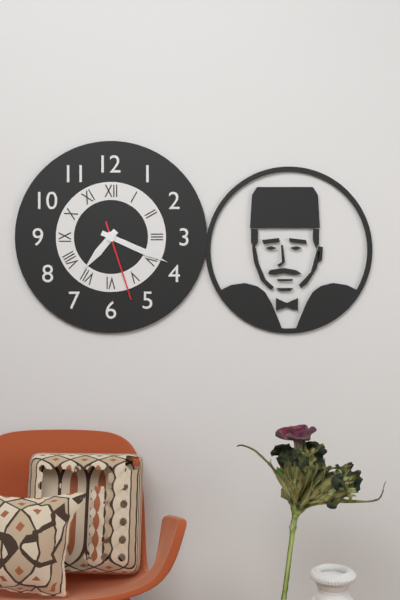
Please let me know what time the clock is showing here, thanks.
7:19:27
